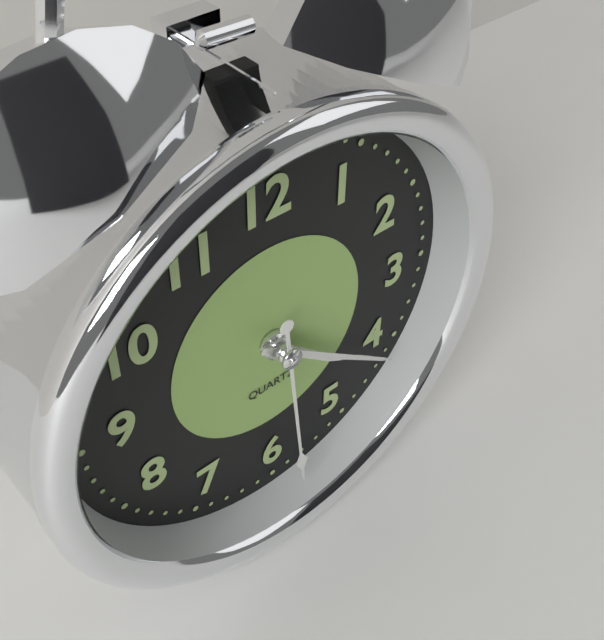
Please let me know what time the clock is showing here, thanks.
4:21:29
